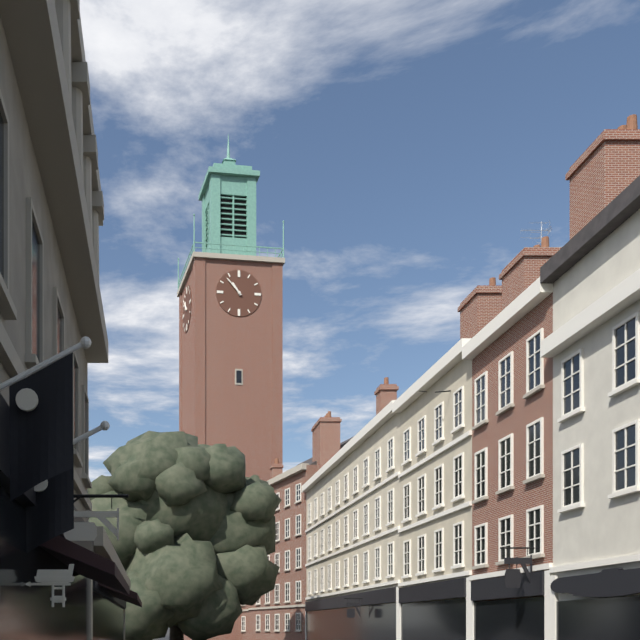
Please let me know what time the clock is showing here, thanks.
10:53
